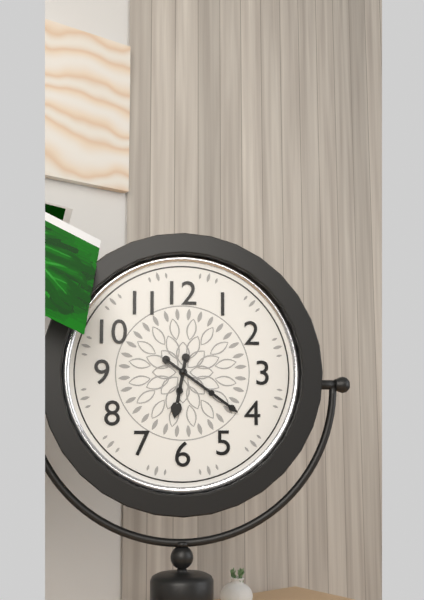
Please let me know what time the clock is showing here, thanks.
6:21
